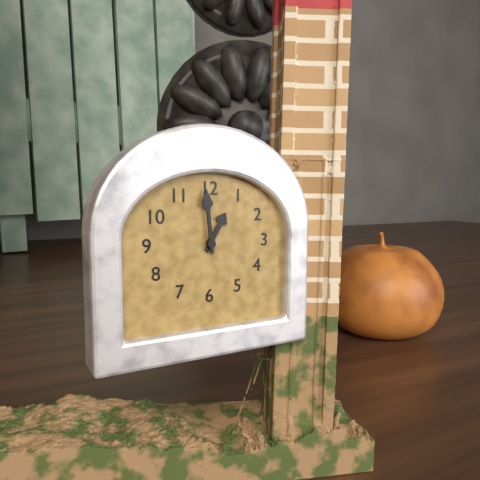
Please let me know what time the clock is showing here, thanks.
12:59
